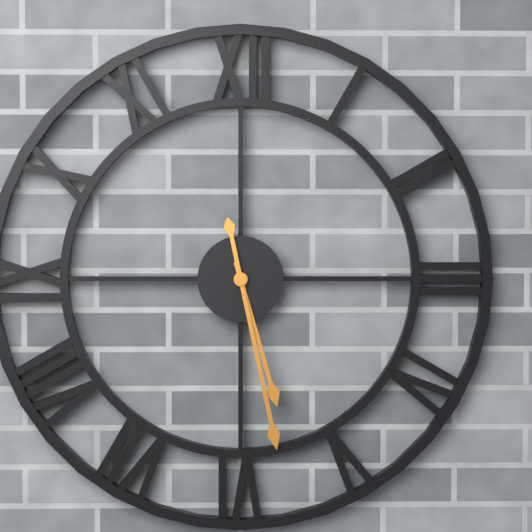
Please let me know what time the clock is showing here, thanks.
5:28
